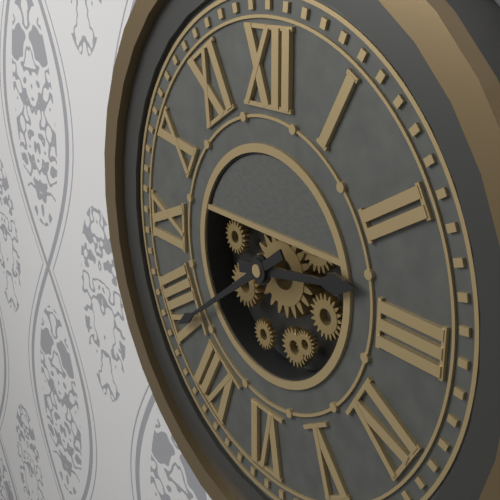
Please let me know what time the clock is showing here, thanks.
2:39
